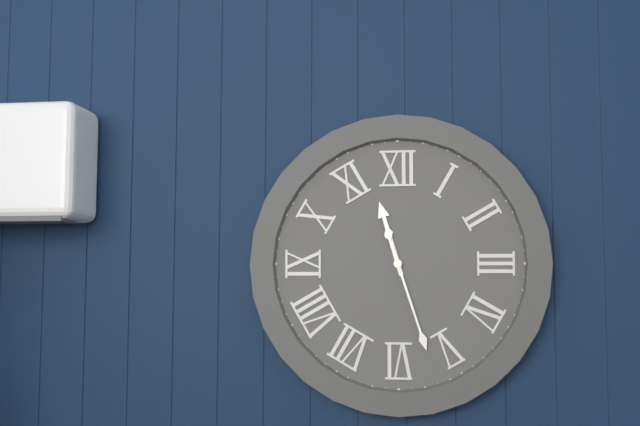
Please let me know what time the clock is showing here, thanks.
11:27
